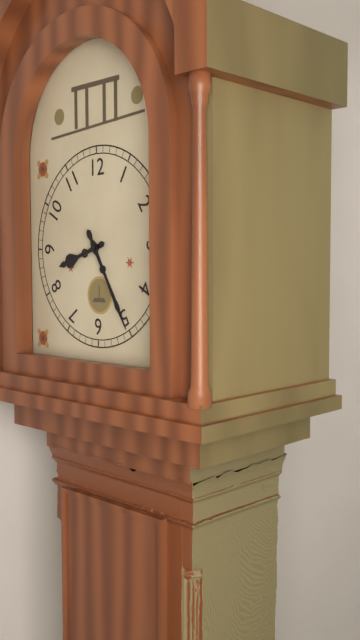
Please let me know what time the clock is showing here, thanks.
8:25
